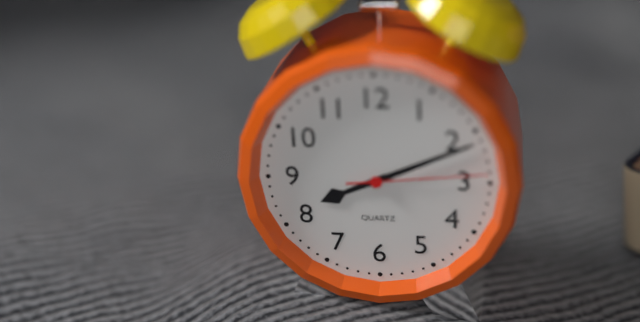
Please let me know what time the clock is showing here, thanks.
8:11:14
